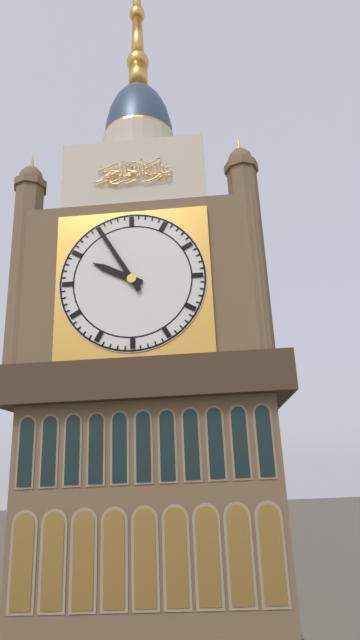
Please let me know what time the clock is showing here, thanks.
9:55
